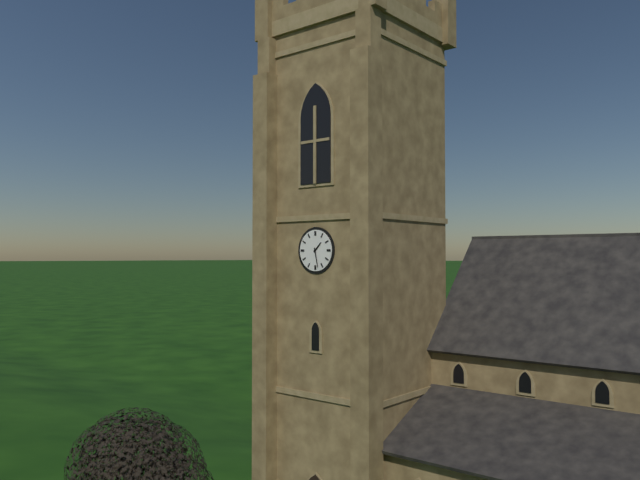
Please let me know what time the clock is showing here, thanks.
1:28
